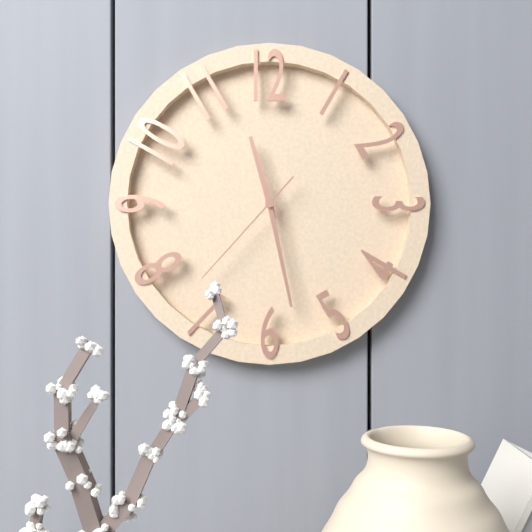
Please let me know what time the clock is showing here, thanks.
11:28:37
